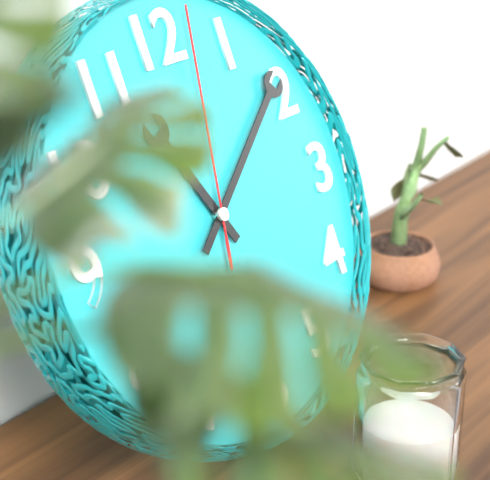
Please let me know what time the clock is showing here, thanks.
11:09:02
